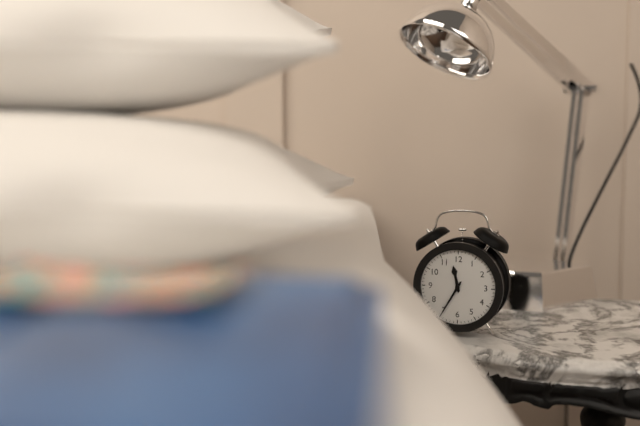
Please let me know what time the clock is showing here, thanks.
11:35
